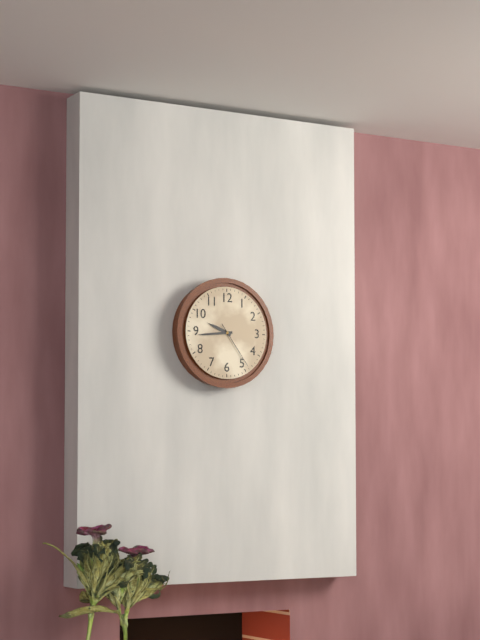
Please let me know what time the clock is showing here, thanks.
9:44
